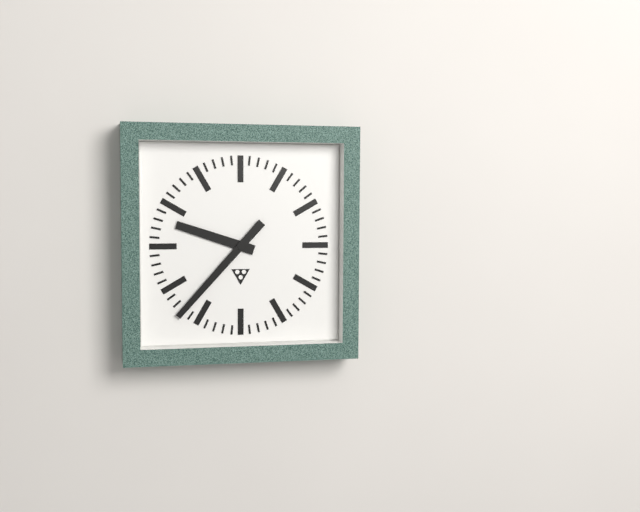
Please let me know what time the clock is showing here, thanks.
9:37
